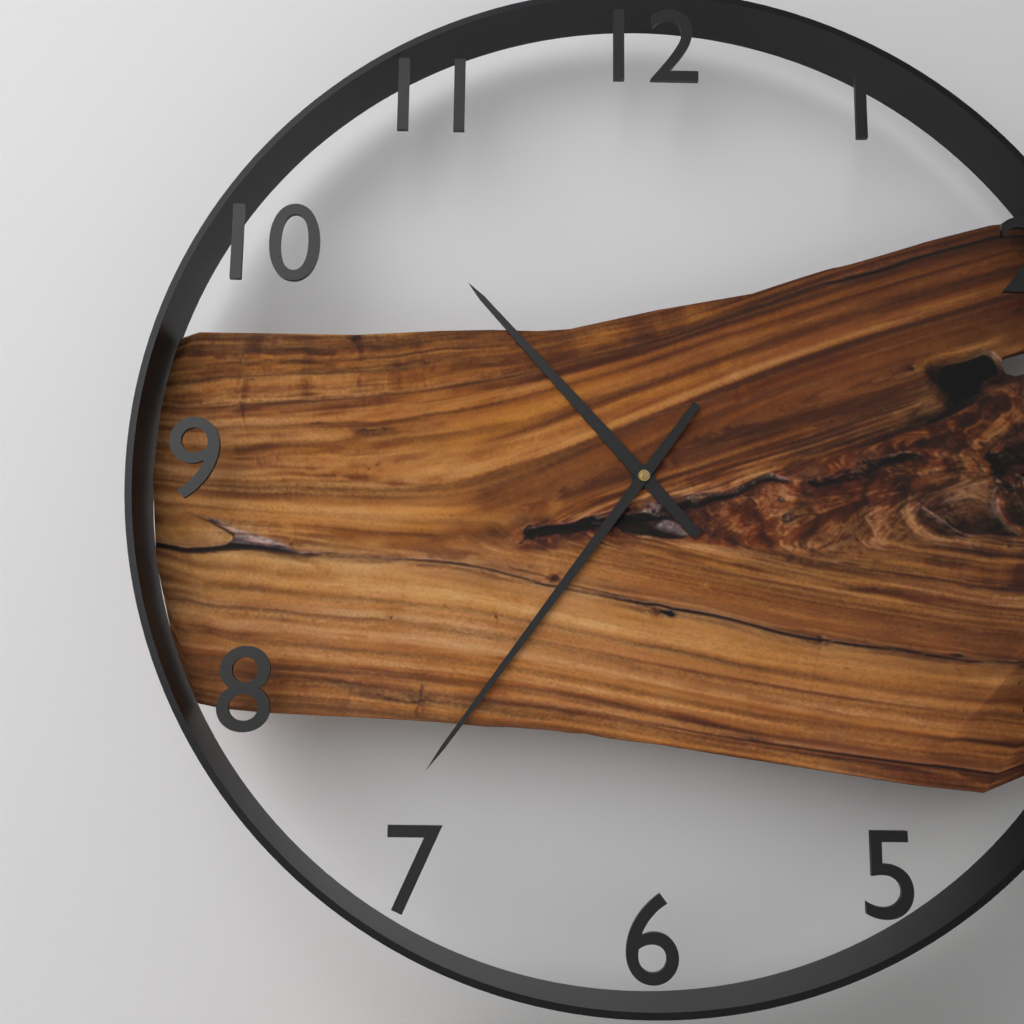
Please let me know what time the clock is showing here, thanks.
10:36
